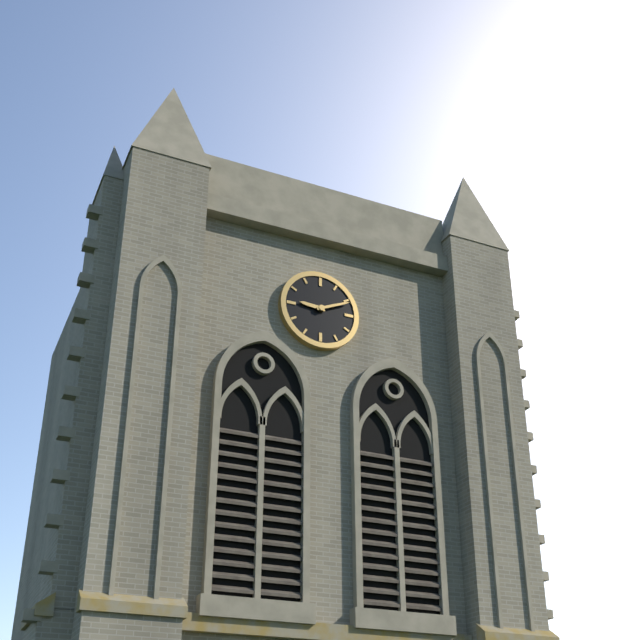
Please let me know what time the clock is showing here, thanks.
9:11
